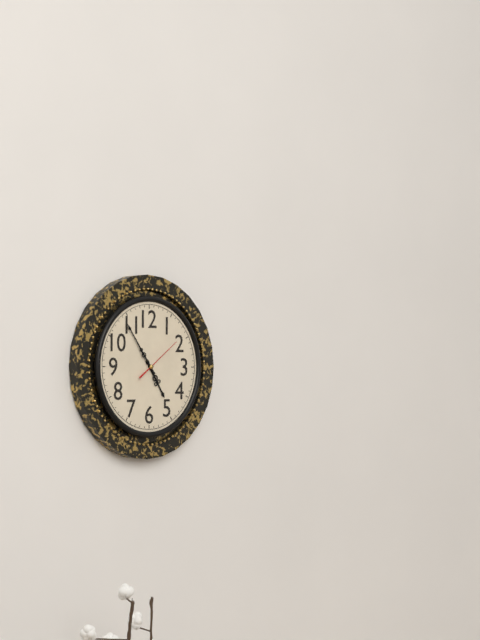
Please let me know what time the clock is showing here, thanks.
4:54
